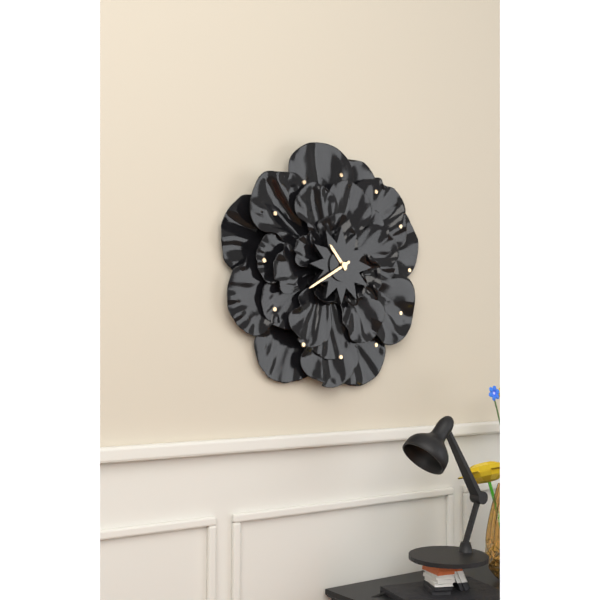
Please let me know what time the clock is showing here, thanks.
10:40
